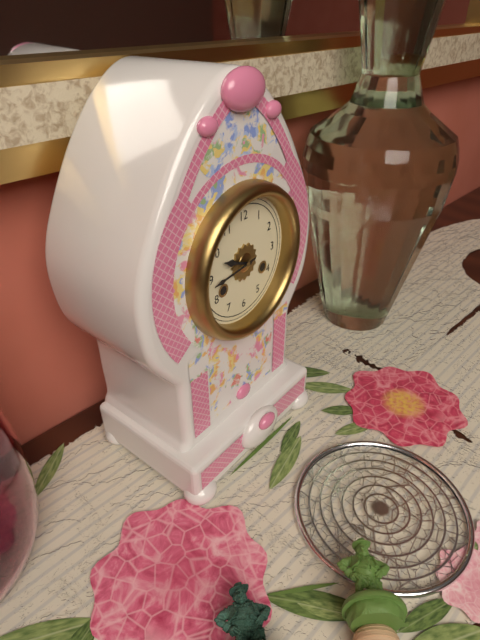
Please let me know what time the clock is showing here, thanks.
9:44
